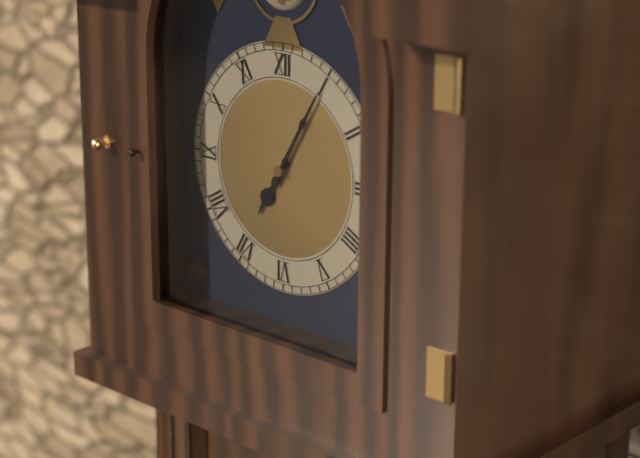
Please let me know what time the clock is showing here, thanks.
7:05
